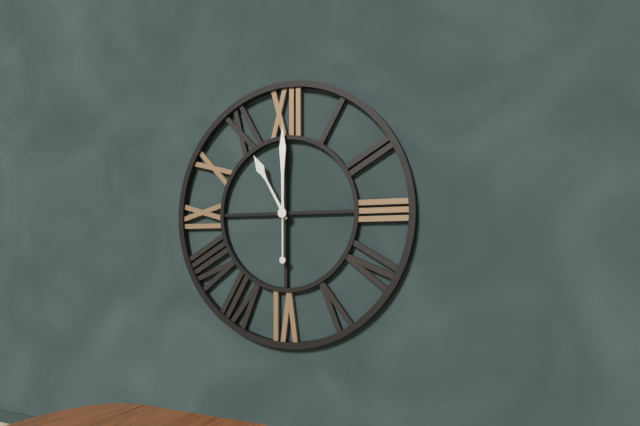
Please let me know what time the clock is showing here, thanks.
11:00
